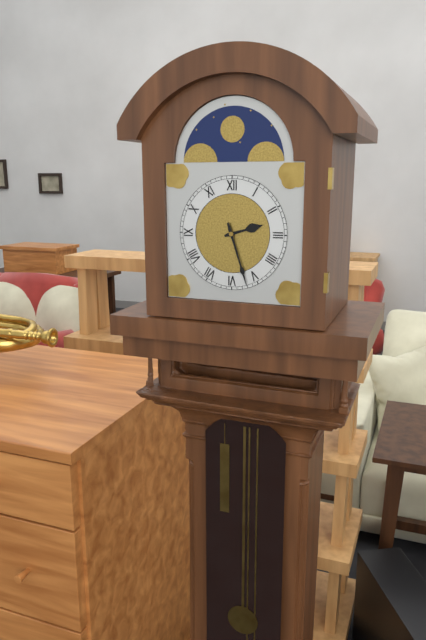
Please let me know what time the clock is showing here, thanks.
2:27
